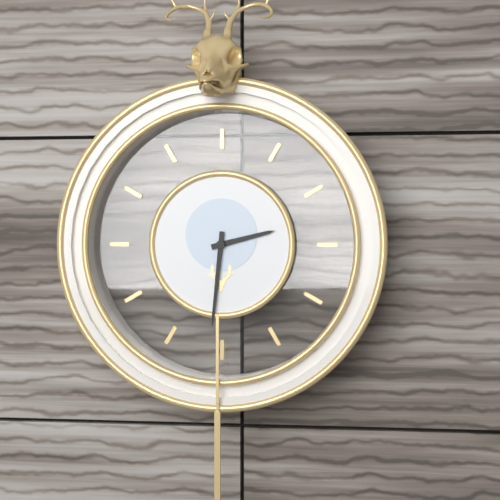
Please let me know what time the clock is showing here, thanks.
2:31
